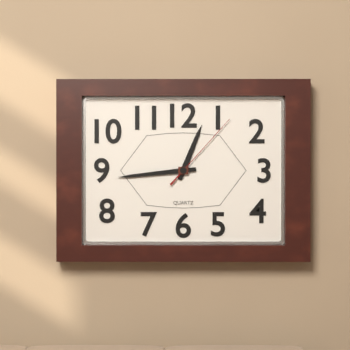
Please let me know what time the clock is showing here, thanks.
12:44:07
